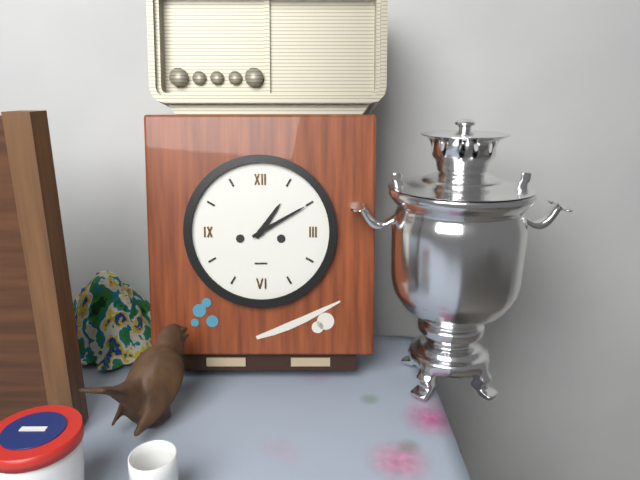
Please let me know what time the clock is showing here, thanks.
1:10
